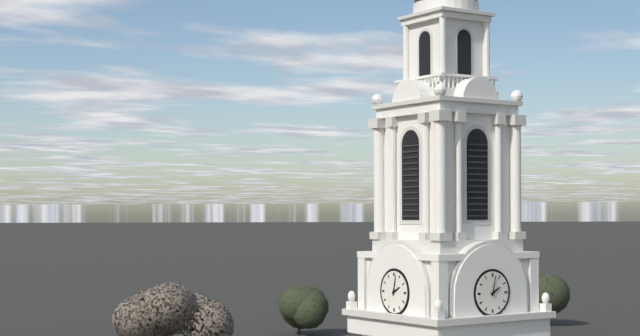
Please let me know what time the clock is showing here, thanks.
2:02
